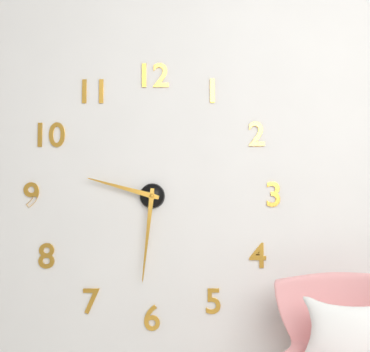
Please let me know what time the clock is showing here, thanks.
9:31
